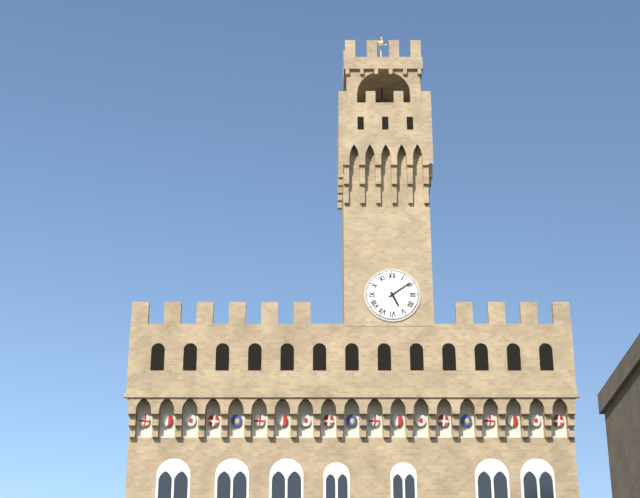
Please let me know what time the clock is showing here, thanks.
5:09
